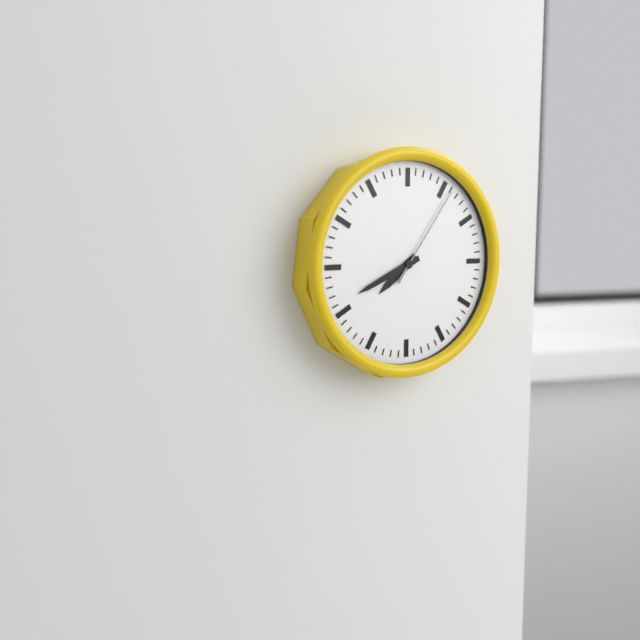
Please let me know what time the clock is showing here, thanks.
7:41:06
